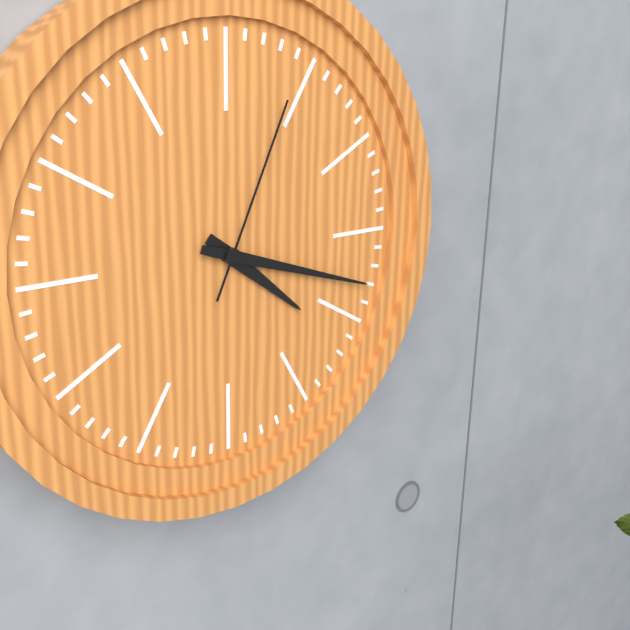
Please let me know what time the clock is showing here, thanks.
4:18:04
